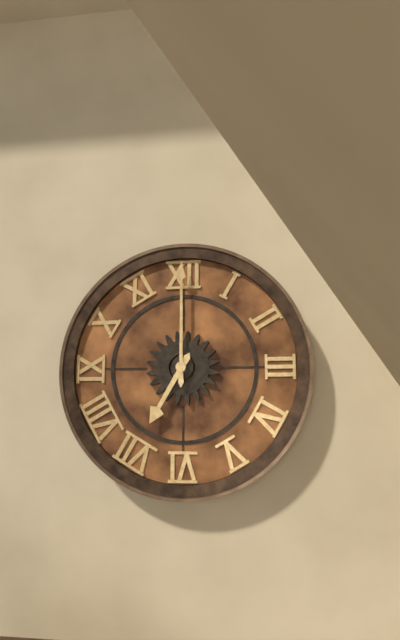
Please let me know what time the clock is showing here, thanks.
7:00
